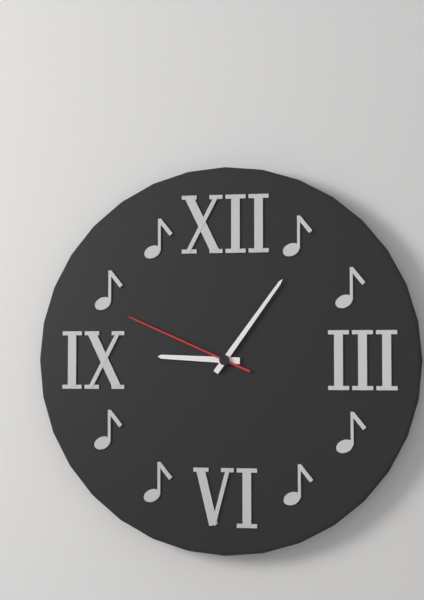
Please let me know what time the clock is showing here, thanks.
9:06:49
